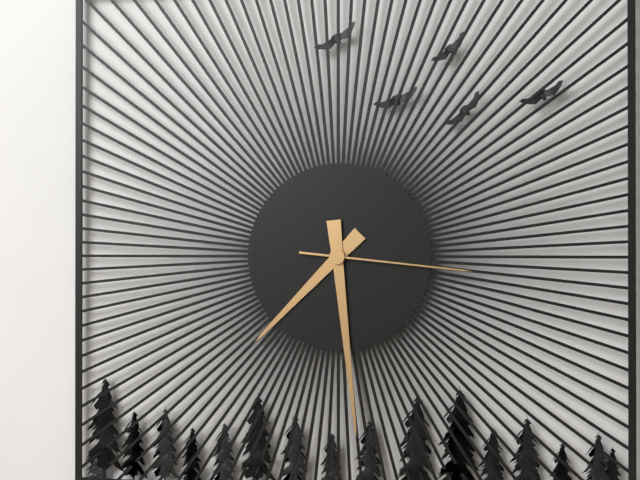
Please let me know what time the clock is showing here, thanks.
7:29:16
